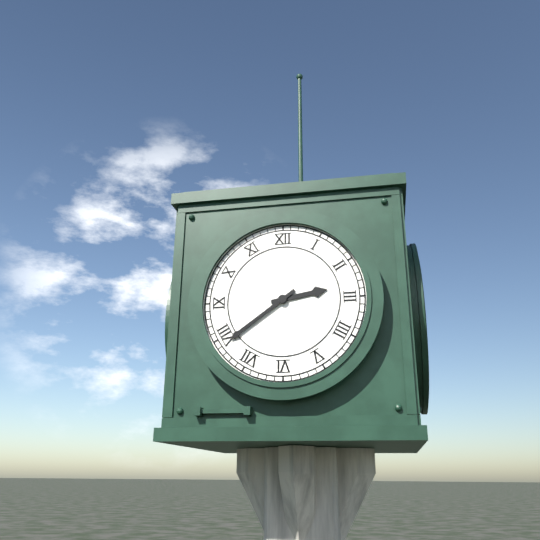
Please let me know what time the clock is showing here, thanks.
2:39
